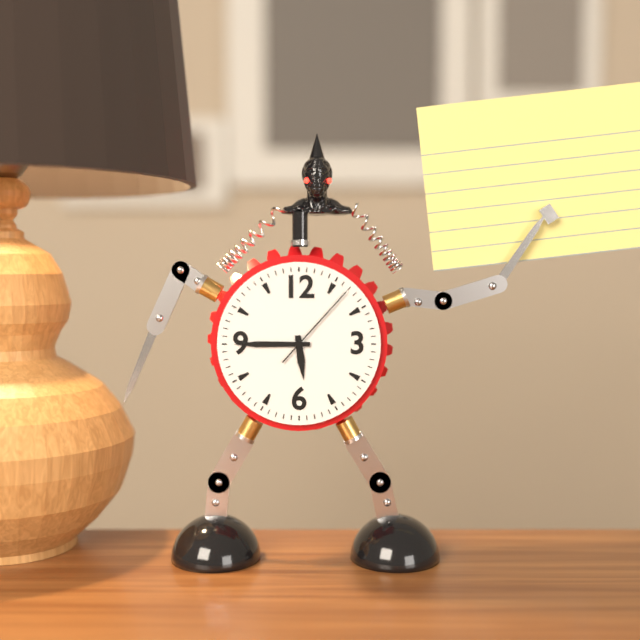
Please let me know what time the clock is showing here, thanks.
5:45:07
